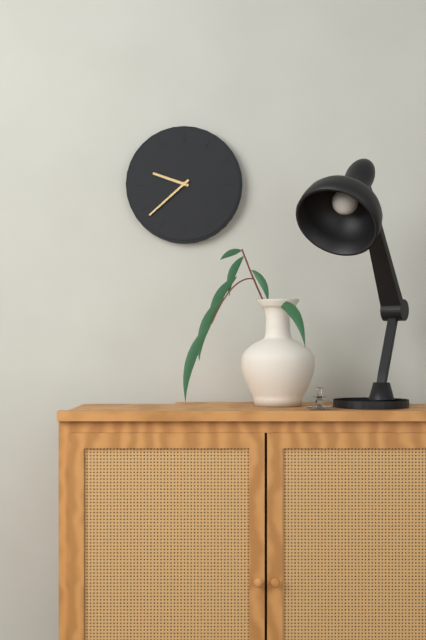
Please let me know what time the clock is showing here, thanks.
9:38
